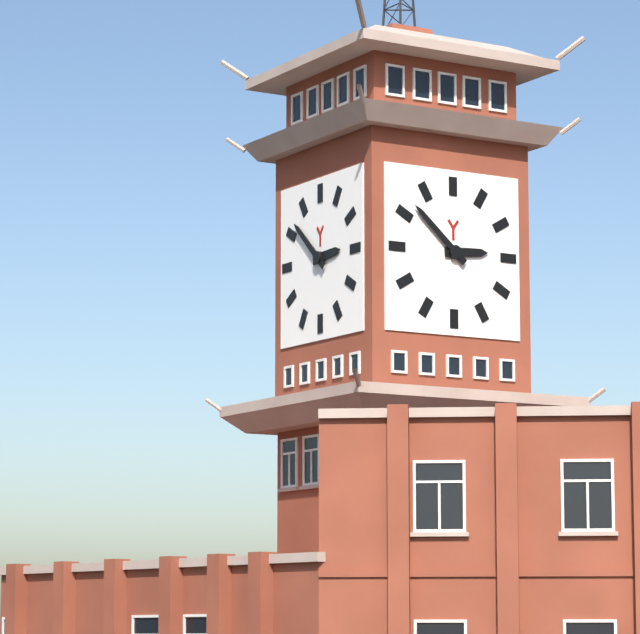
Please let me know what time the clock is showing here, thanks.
2:52
